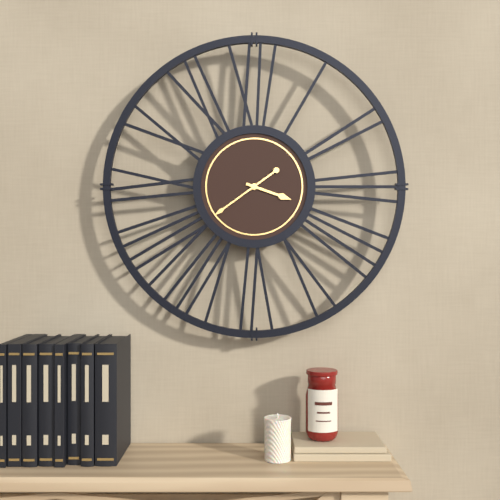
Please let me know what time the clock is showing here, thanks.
3:39
